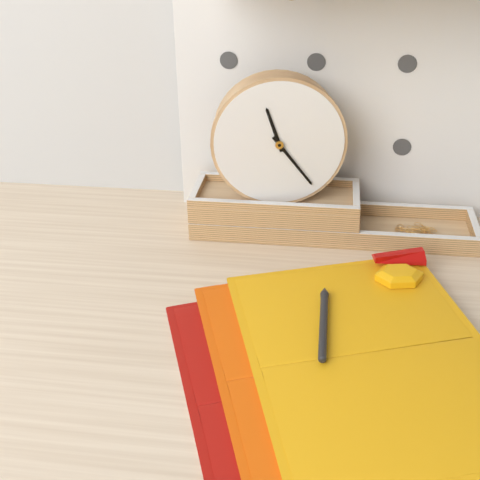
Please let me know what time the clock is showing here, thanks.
11:24
